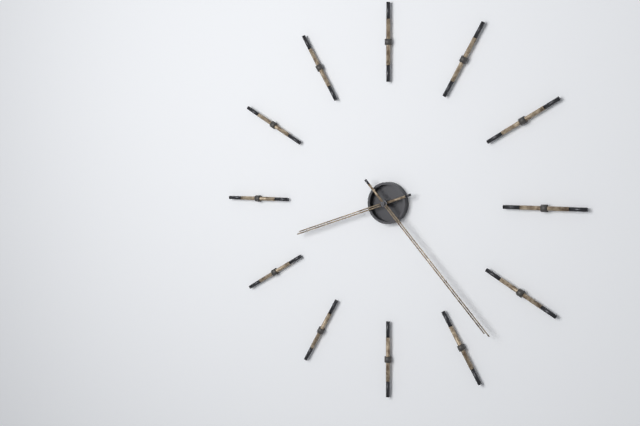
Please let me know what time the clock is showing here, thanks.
8:23
